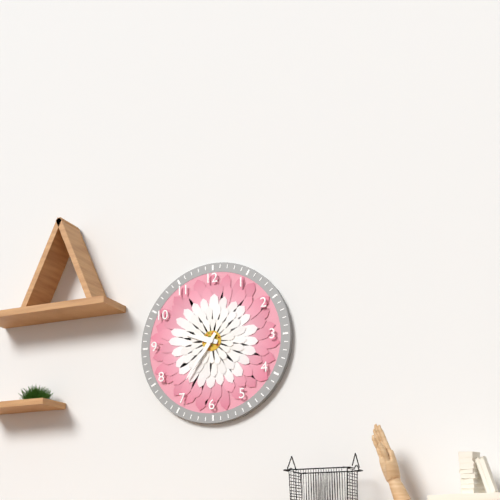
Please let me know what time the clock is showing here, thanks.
9:36
